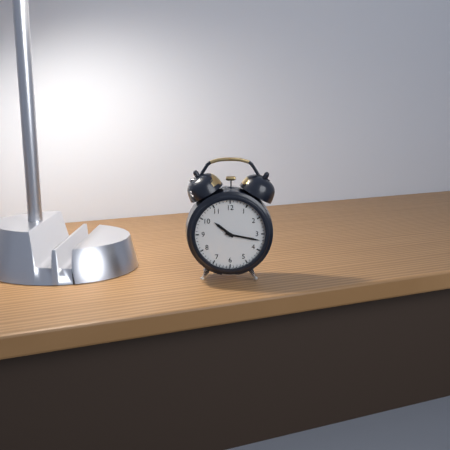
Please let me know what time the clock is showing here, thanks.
10:17
